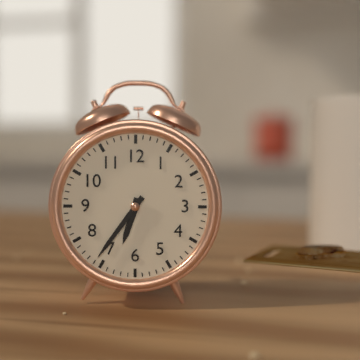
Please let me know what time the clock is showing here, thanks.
6:36
